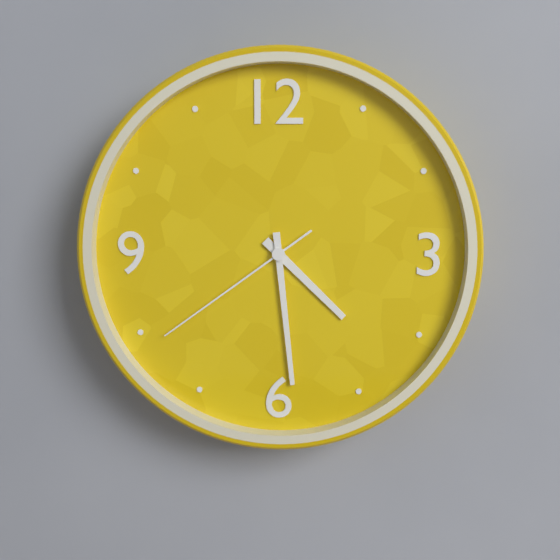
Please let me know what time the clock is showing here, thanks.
4:29:39
